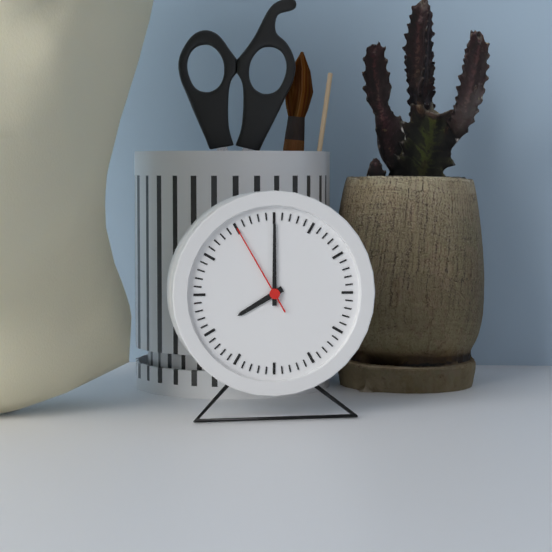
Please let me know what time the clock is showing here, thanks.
8:00:55
